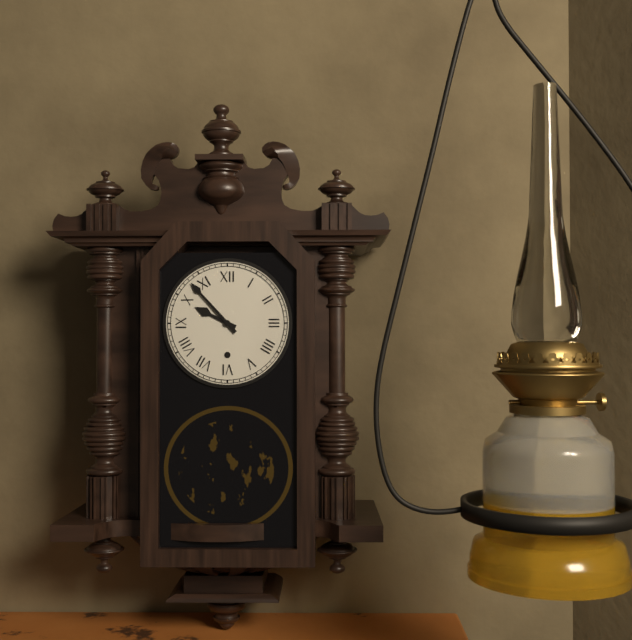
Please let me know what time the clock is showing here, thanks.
9:53
